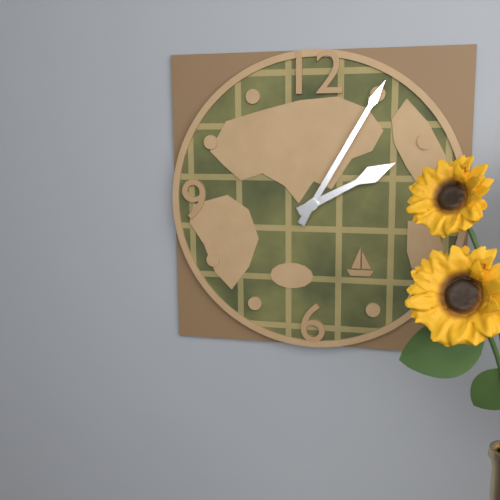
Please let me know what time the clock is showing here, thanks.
2:05
